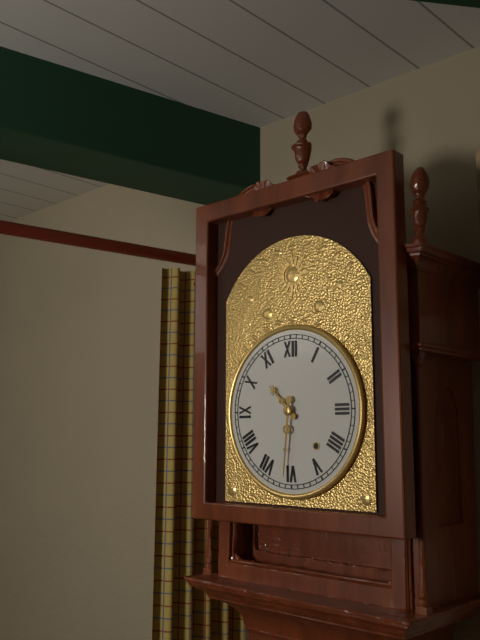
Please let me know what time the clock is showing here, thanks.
10:31
